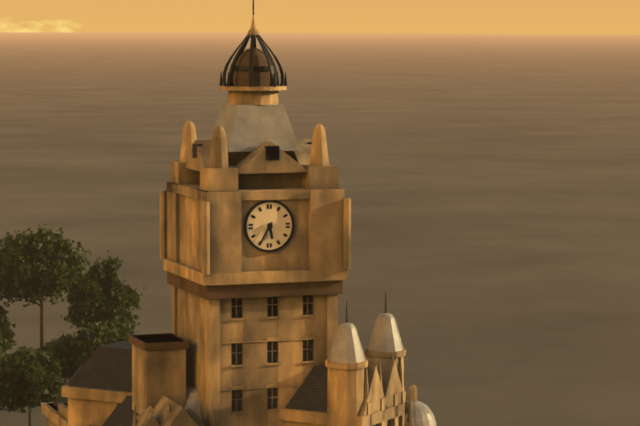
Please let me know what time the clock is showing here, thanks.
5:35
